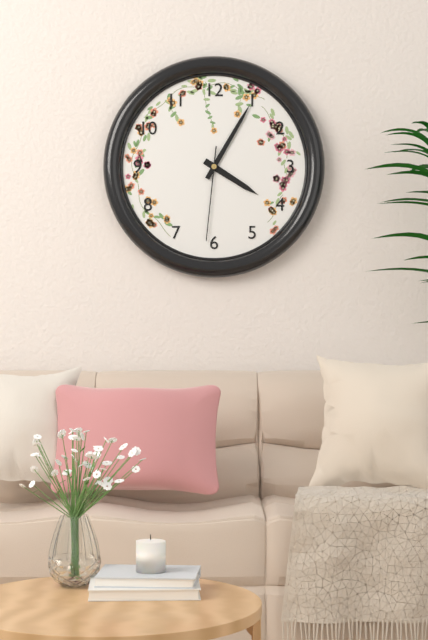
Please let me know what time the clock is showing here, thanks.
4:05:31
